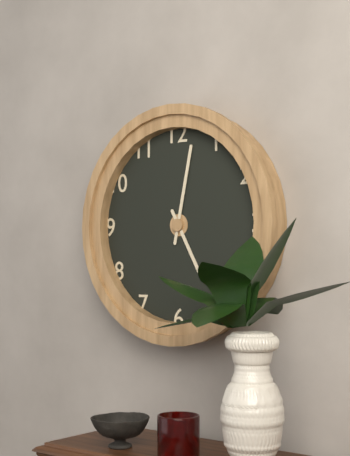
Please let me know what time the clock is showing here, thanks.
5:02
